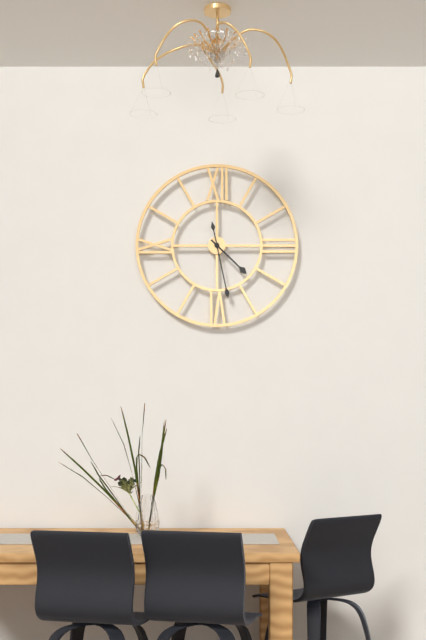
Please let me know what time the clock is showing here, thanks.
4:28
